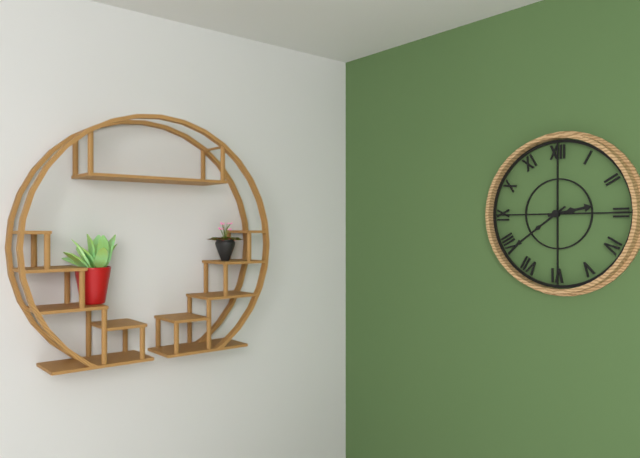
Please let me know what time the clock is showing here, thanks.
2:39
